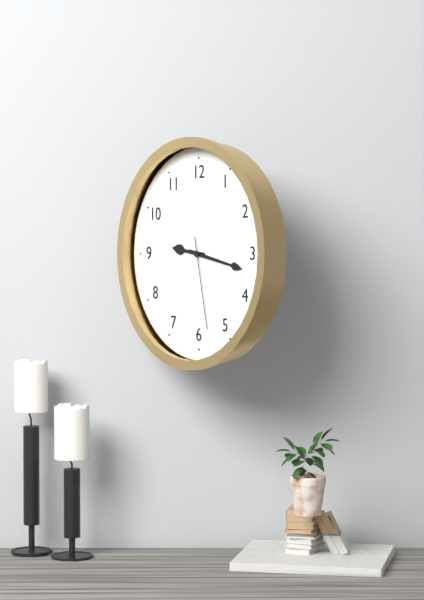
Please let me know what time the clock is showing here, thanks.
9:17:28
